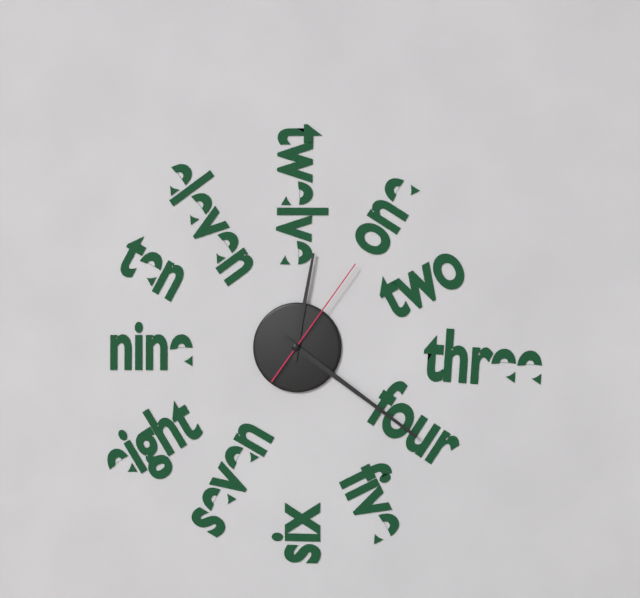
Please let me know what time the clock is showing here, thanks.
12:21:06
